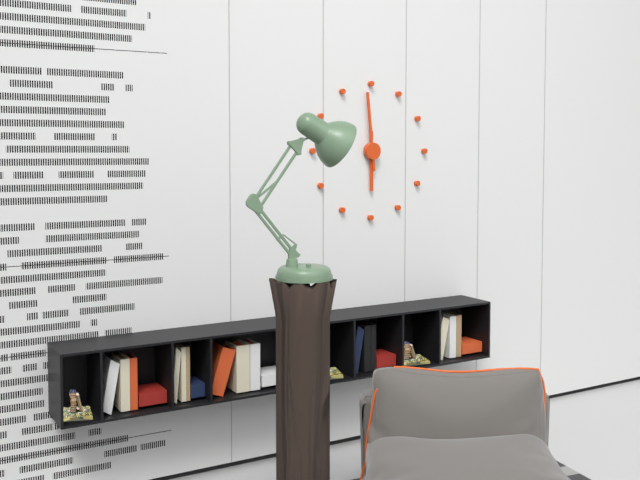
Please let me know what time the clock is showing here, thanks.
5:59
